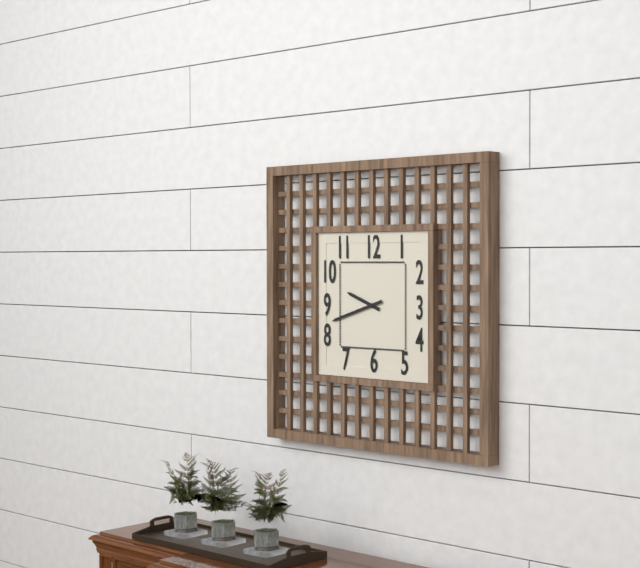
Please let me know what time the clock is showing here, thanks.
9:42
